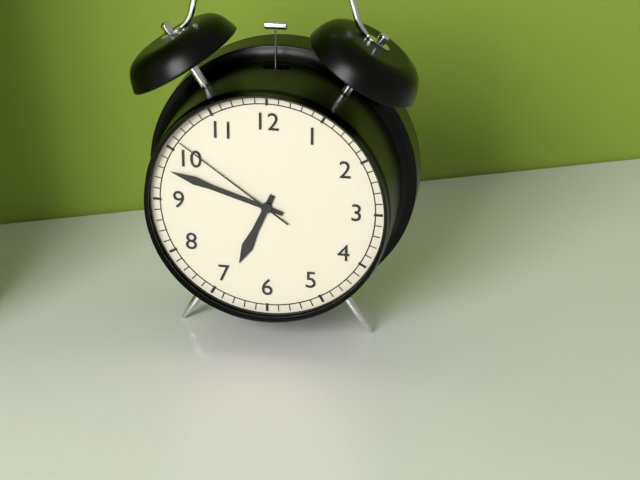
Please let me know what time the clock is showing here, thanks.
6:48:51
